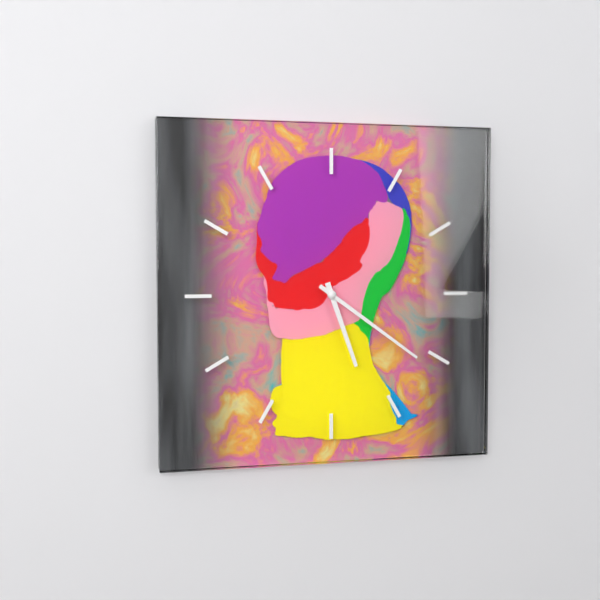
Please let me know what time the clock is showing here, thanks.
5:21
